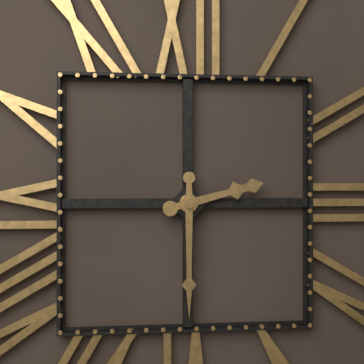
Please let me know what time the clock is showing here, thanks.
2:30
